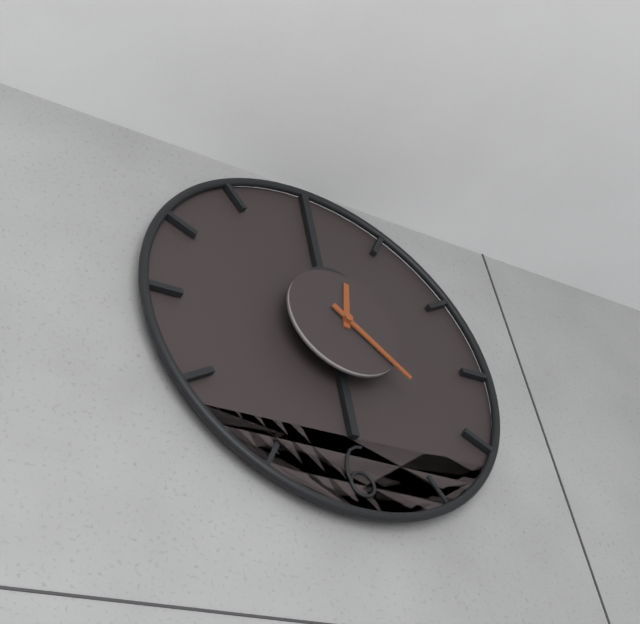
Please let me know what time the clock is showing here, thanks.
12:22
